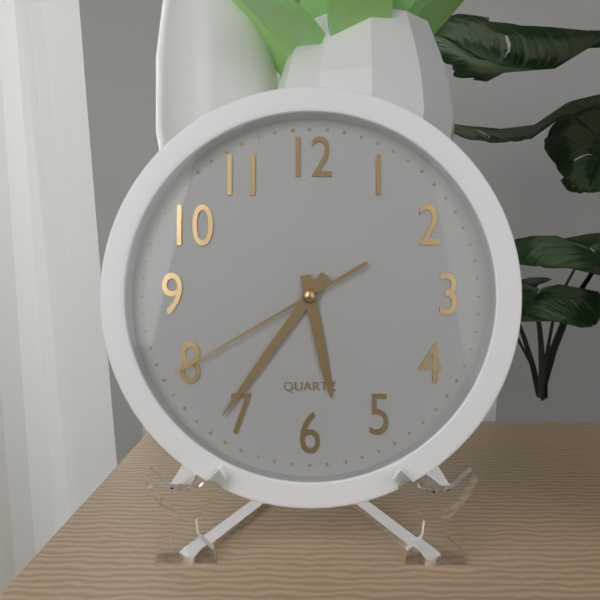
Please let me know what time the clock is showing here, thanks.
5:36:40
